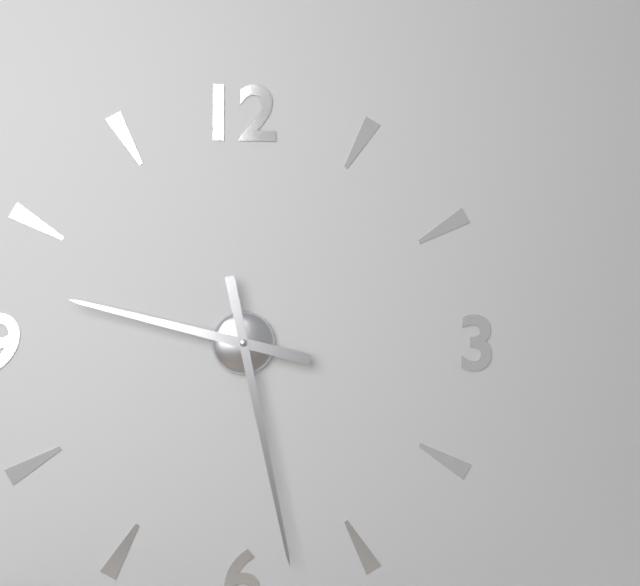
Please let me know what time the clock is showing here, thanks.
9:28
